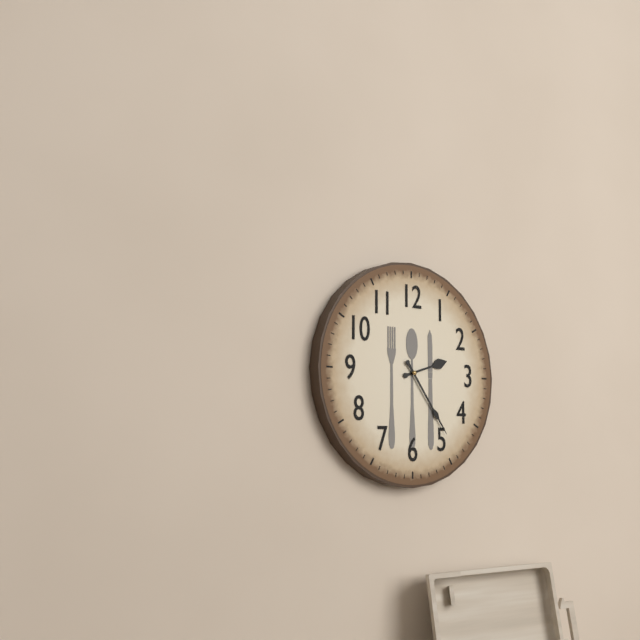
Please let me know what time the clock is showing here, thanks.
2:24
